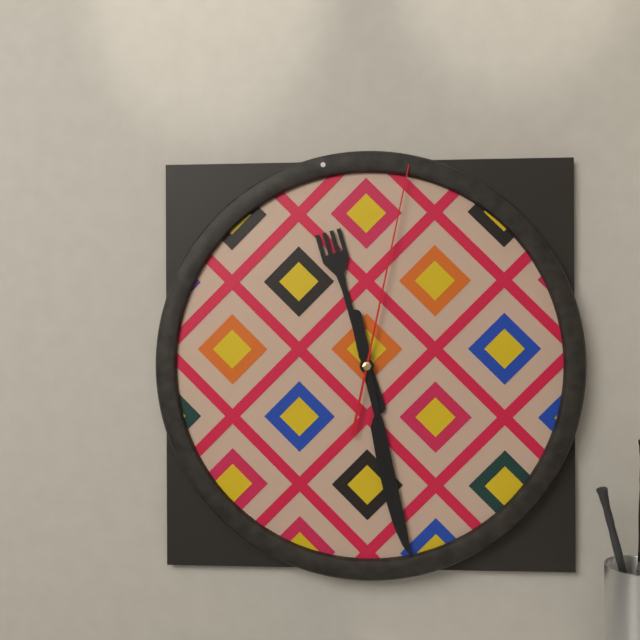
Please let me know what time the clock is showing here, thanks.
11:28:02
